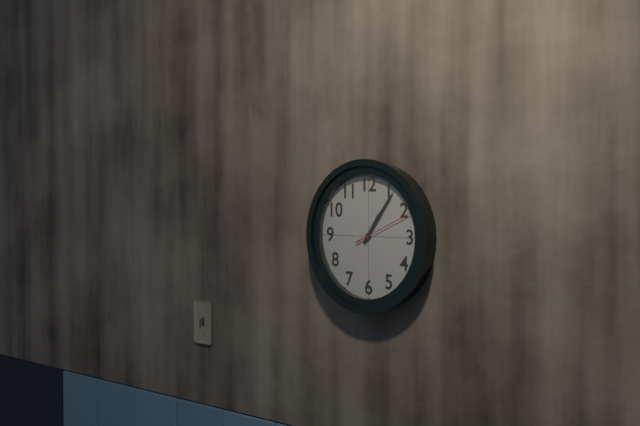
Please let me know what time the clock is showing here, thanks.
1:06:11
